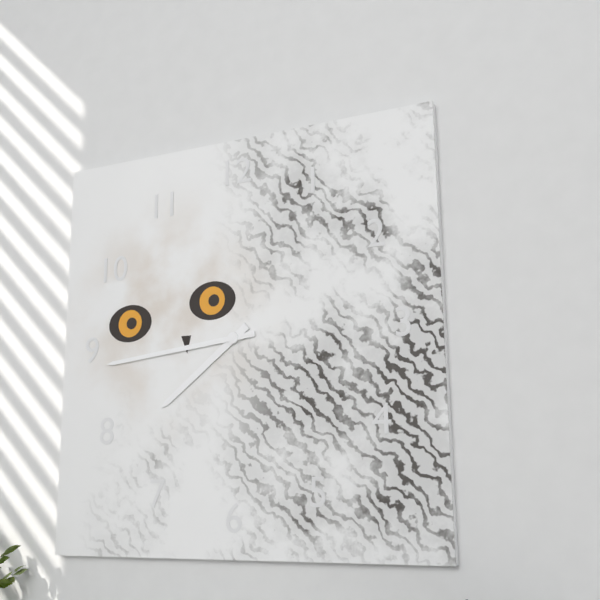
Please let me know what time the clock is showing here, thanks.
7:44
